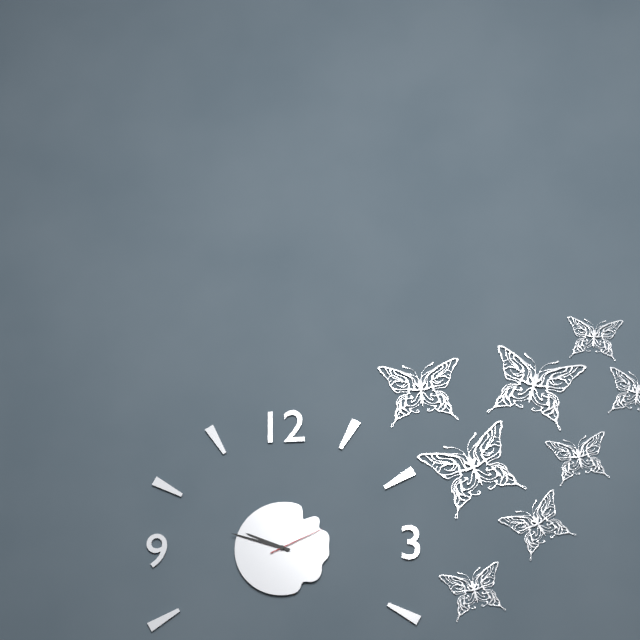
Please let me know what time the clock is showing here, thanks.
9:48:11
